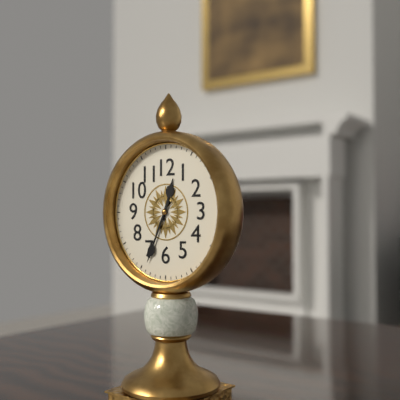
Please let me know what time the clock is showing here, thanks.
12:34
